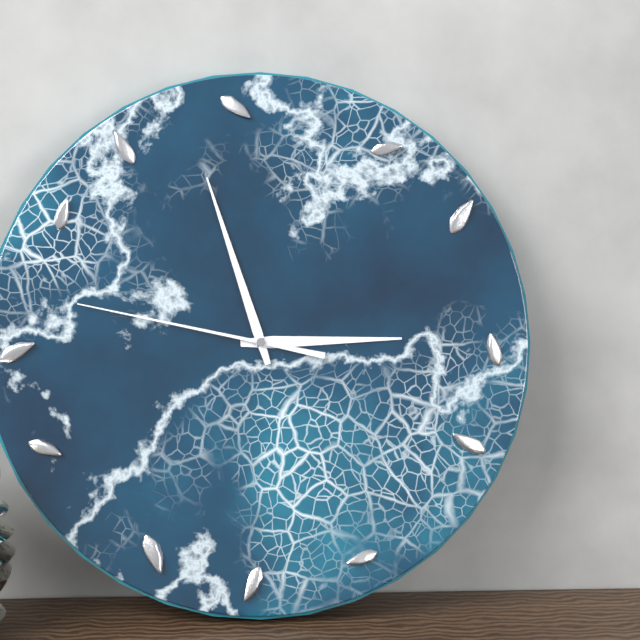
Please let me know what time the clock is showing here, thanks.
2:57:47
